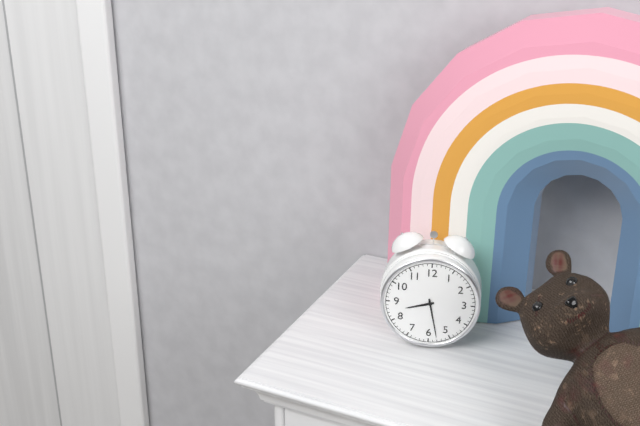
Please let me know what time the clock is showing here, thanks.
8:28
